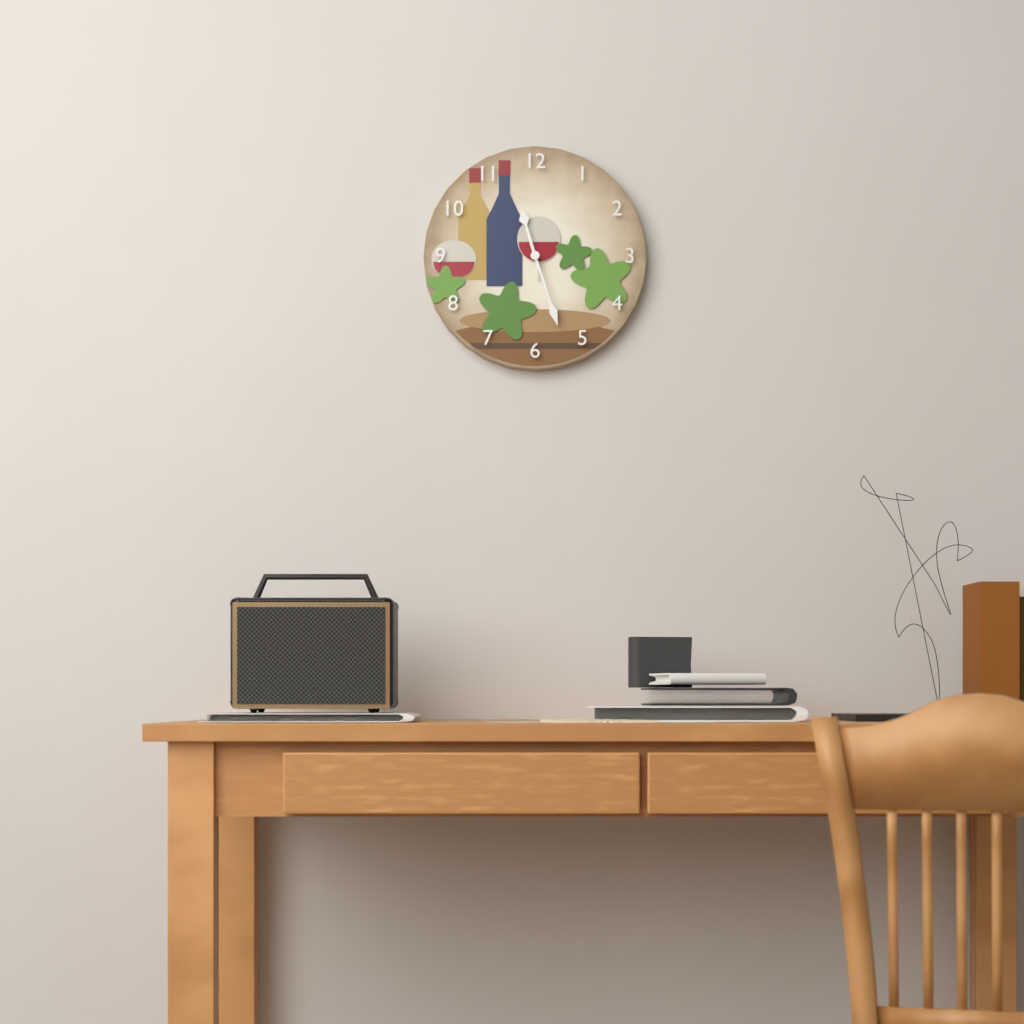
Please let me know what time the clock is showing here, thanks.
11:27
